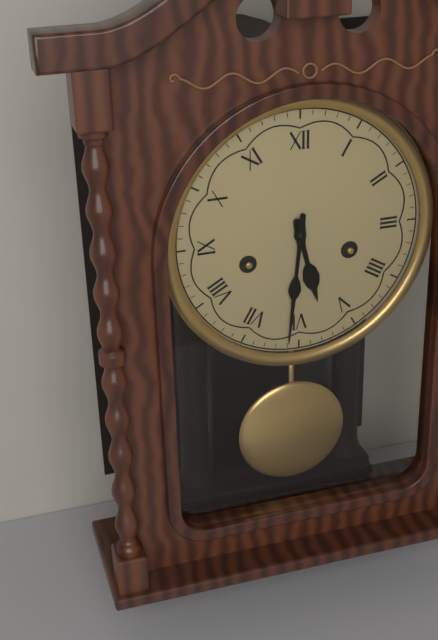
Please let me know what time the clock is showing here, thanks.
5:31
